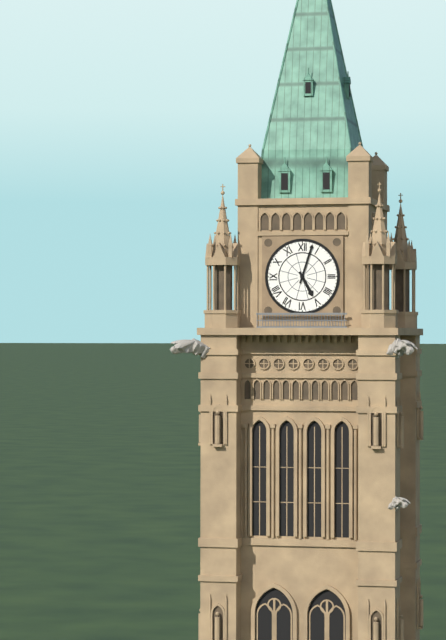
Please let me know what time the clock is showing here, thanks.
5:03
